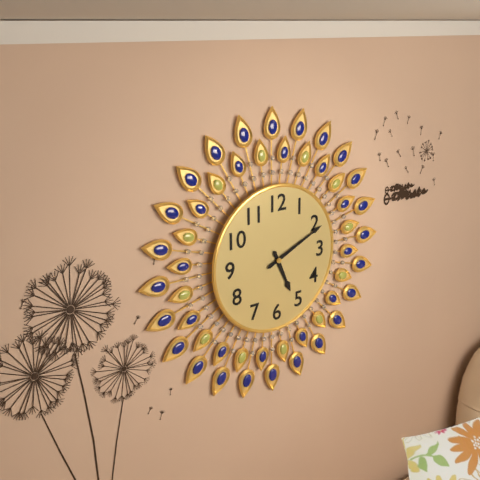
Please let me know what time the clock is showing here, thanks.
5:11
